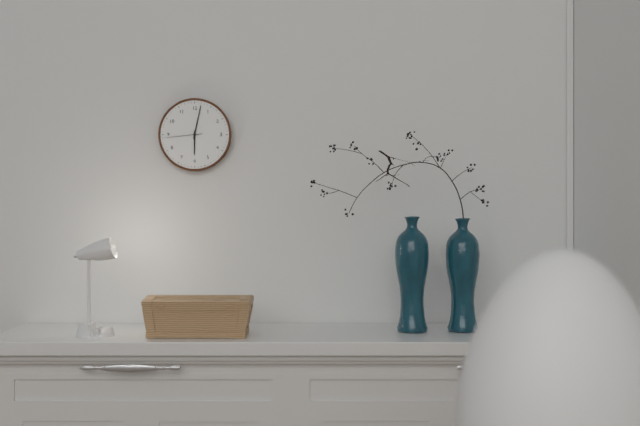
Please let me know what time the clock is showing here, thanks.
6:02
